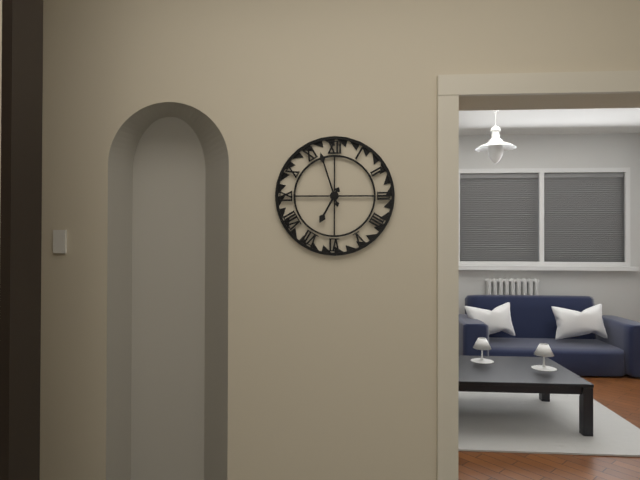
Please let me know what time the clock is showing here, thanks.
6:57
